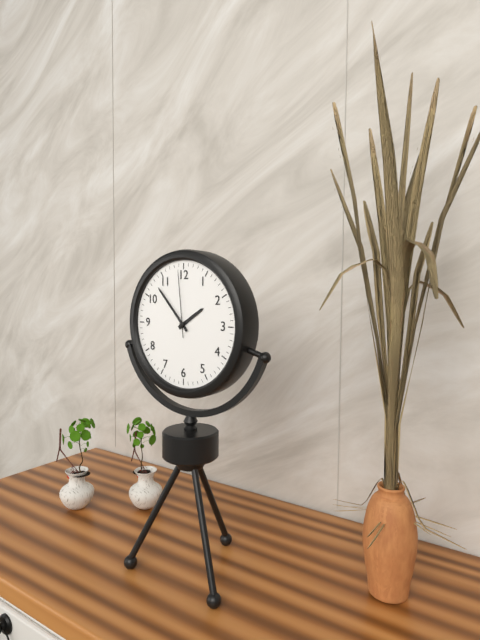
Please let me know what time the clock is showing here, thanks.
1:53:59
